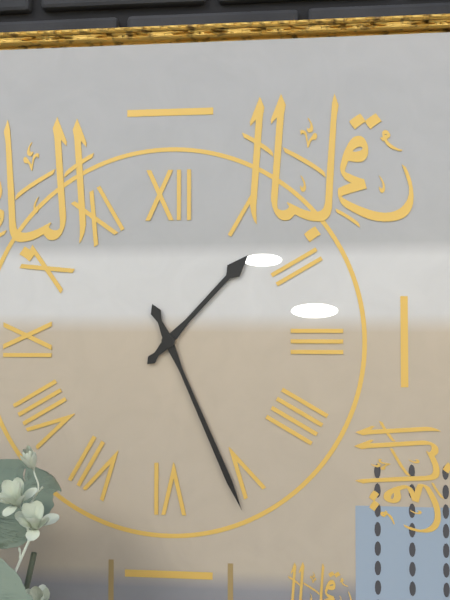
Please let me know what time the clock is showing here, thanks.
1:26
